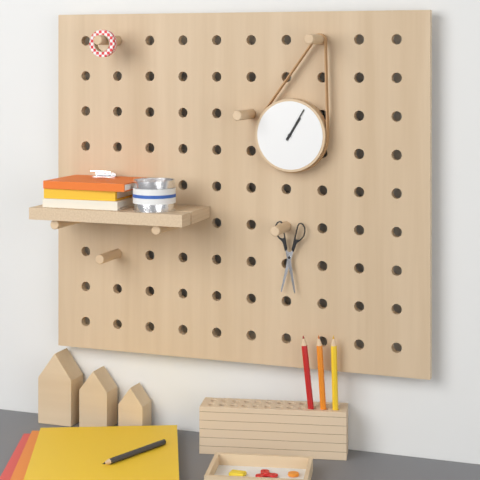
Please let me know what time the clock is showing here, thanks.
1:05
